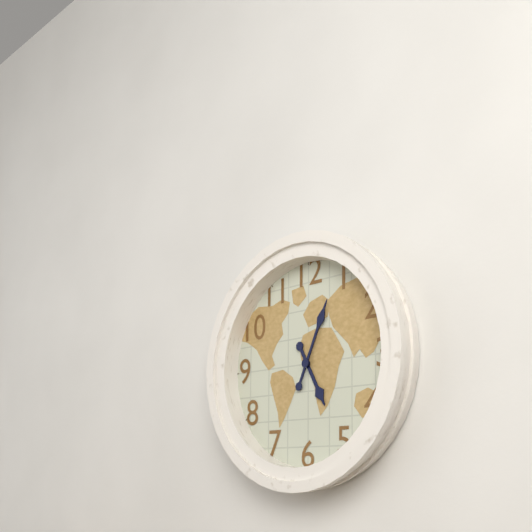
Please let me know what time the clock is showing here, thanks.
5:04
